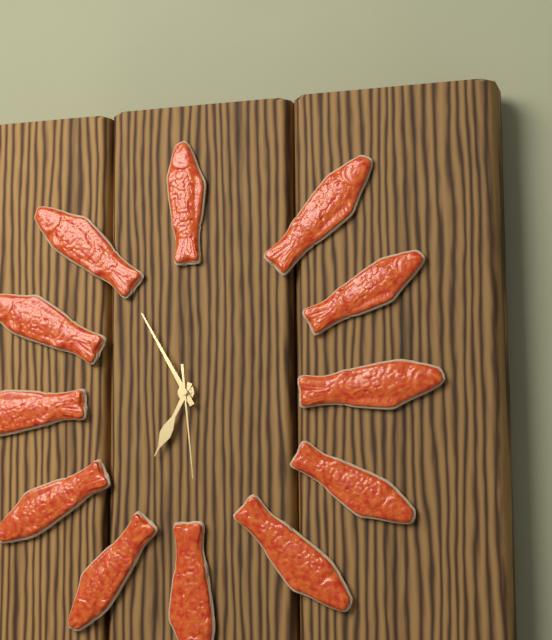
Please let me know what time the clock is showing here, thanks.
6:55:29
